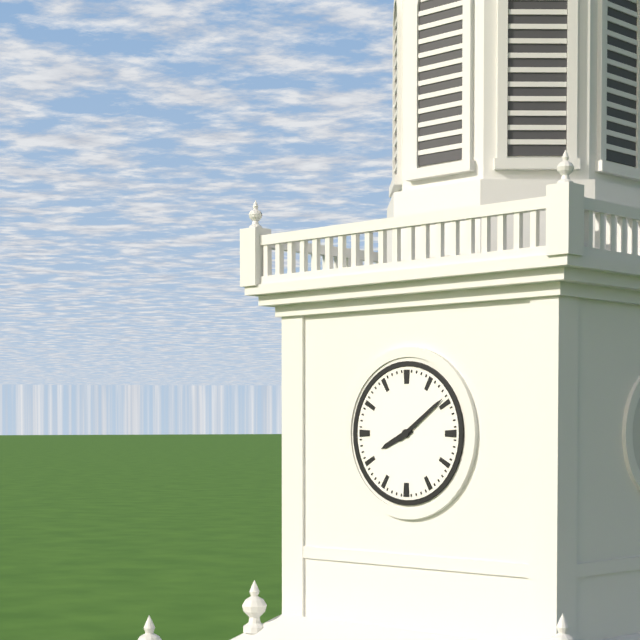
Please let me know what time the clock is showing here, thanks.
8:09
